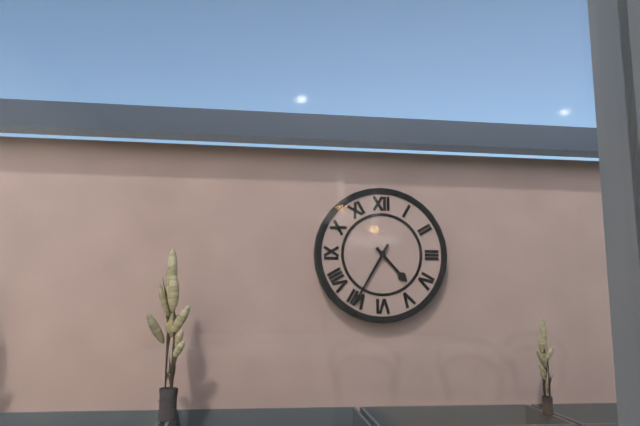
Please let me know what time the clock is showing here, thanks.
4:35
